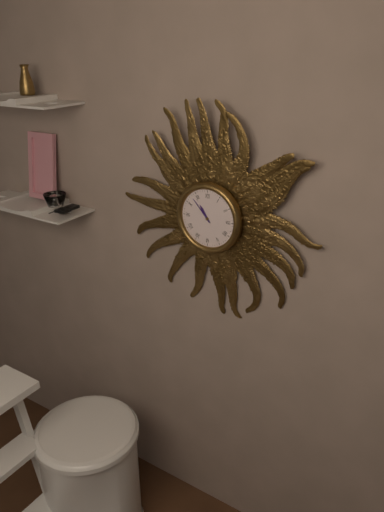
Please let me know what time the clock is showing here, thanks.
10:53
